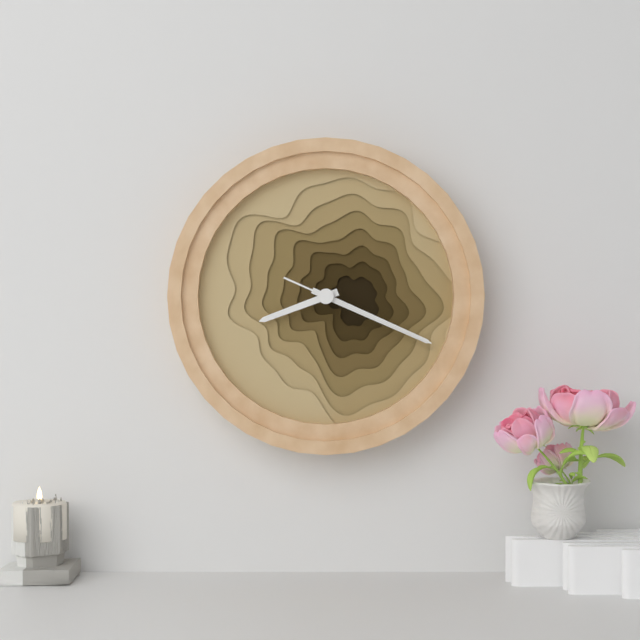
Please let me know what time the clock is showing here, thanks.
8:19:19
